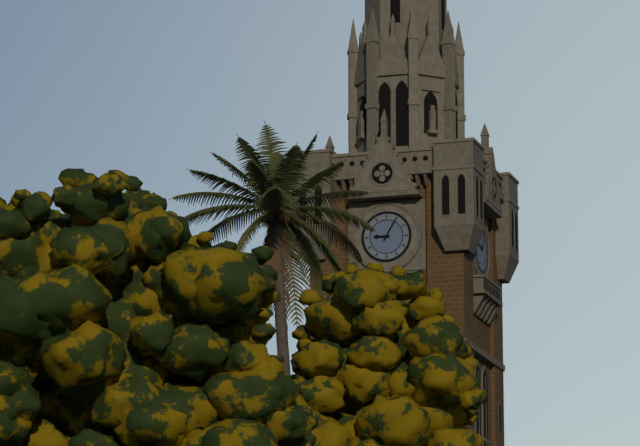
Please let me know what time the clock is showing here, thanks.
9:05
